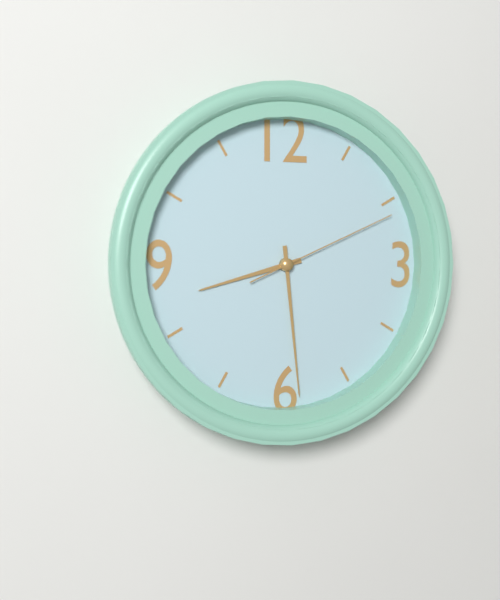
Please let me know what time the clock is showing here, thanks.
8:29:11
